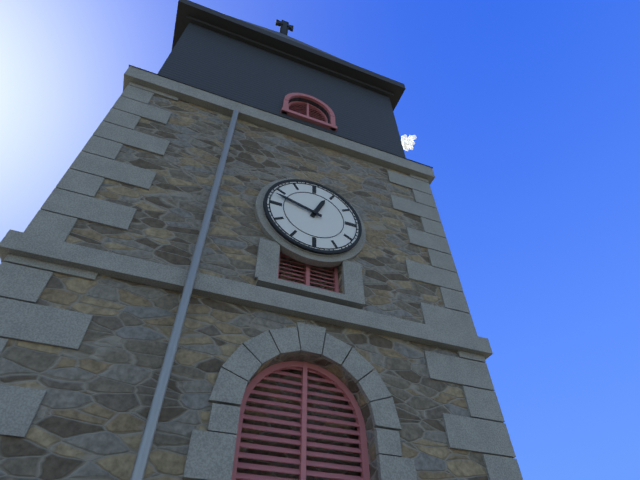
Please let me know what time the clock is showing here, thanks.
12:48
